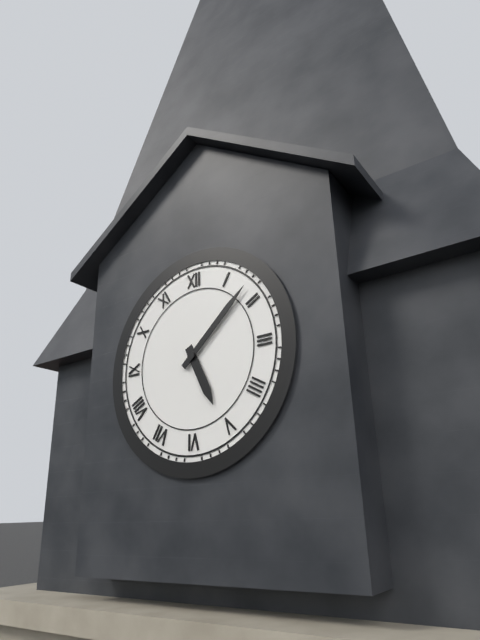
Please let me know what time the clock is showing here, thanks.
5:08
